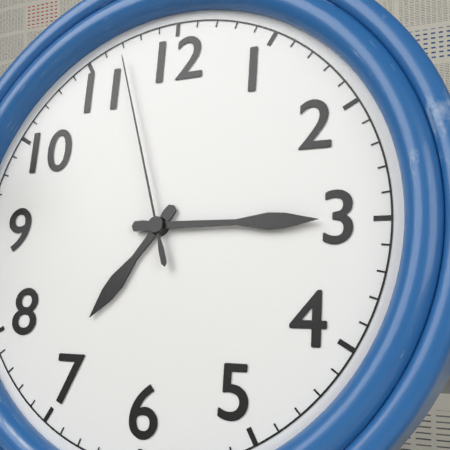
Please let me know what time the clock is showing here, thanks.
7:15:57
